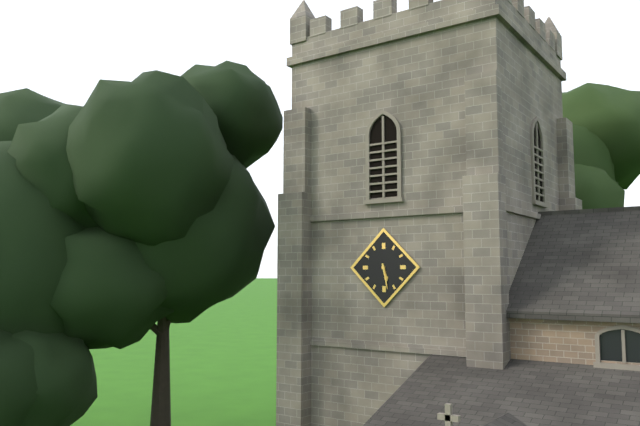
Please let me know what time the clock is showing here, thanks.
5:28
